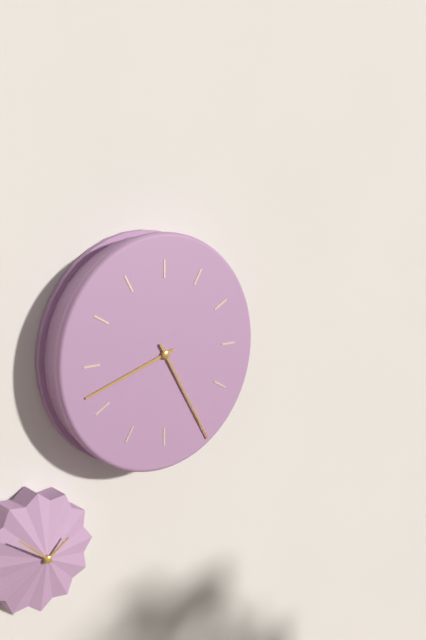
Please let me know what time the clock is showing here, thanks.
8:25
